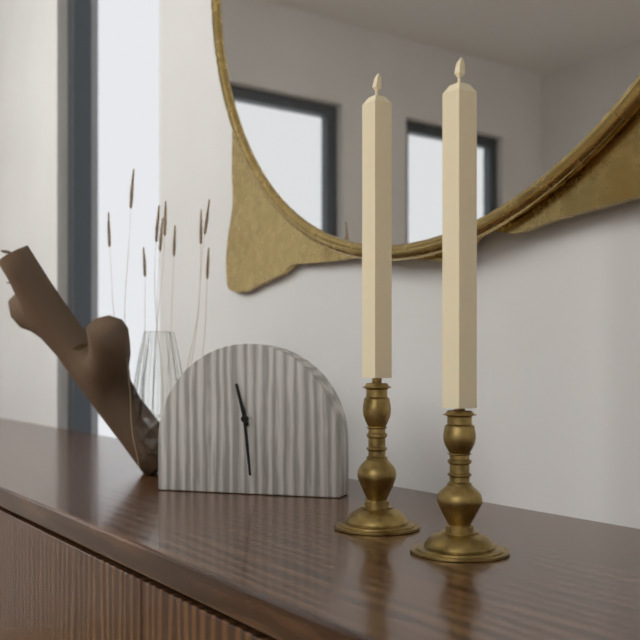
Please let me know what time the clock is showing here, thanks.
11:29
